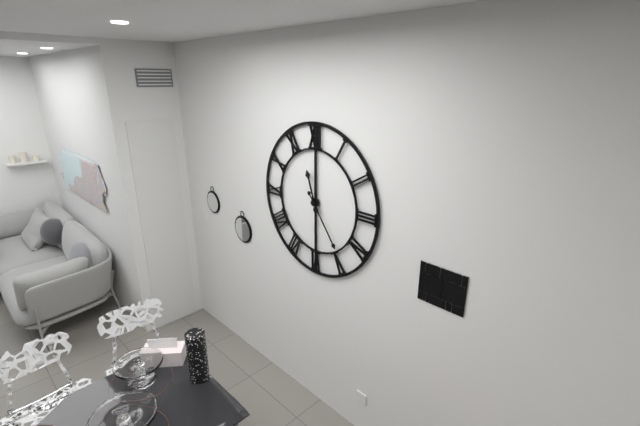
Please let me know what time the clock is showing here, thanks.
11:24
